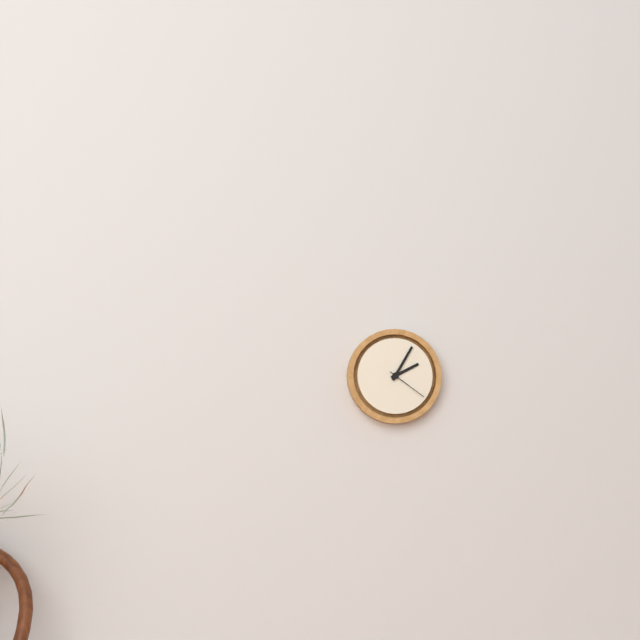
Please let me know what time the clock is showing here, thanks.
2:05
